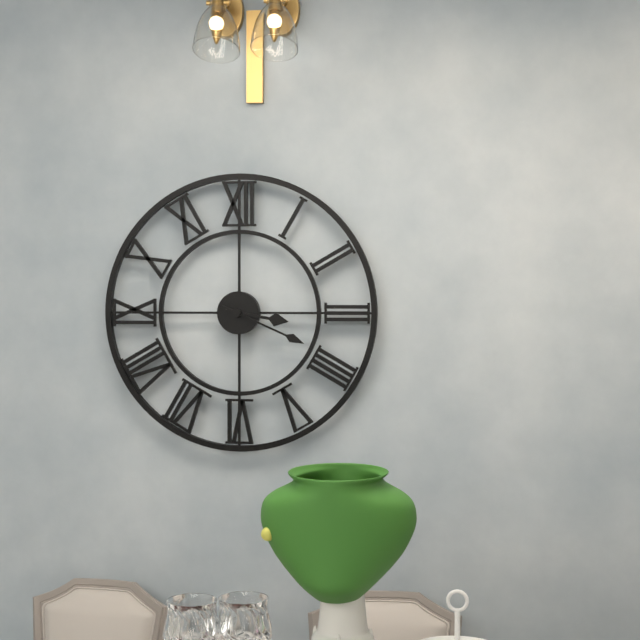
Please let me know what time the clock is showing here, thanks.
3:19
